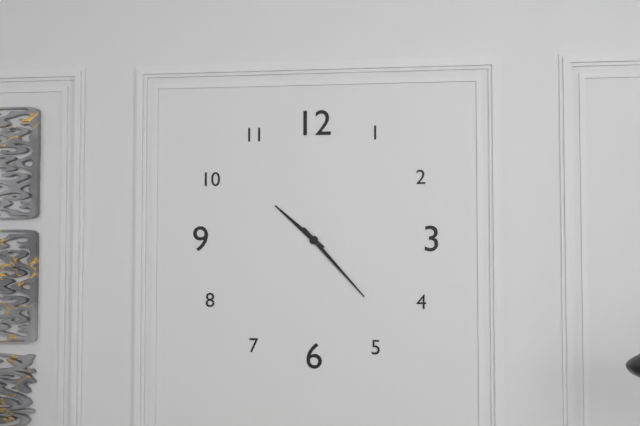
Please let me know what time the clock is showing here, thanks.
10:23
